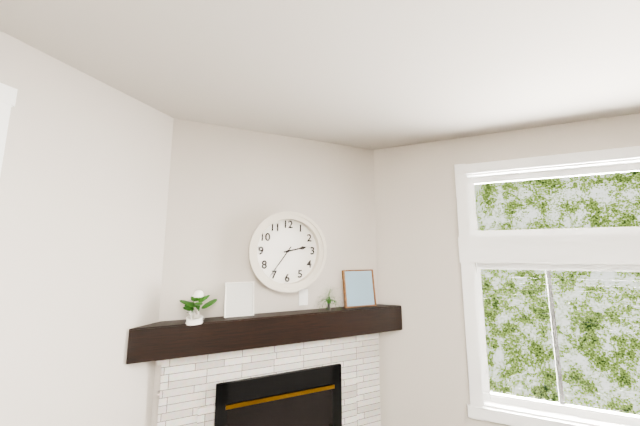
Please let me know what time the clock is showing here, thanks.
2:36
